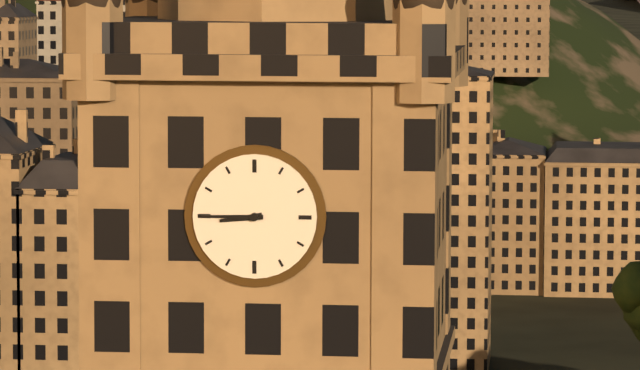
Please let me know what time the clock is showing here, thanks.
8:45
